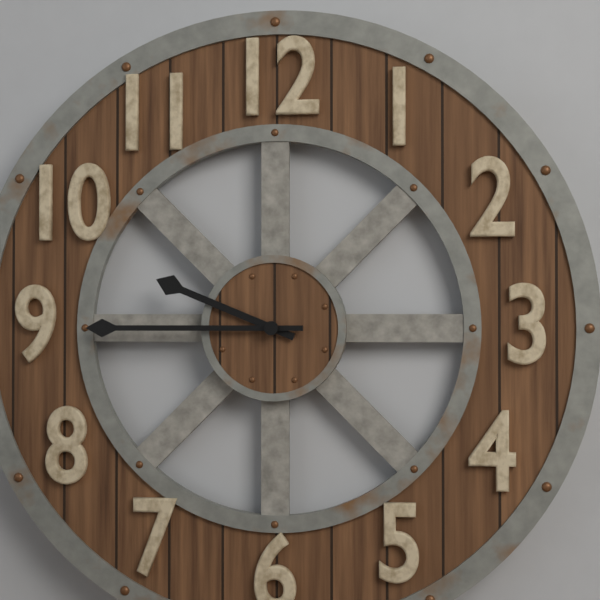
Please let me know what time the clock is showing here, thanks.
9:45
